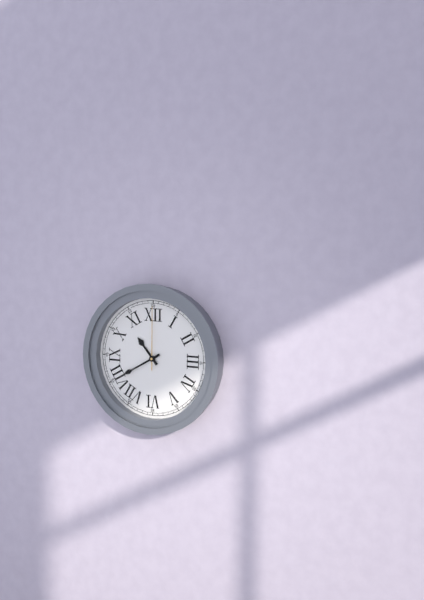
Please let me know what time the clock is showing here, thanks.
10:40:00
